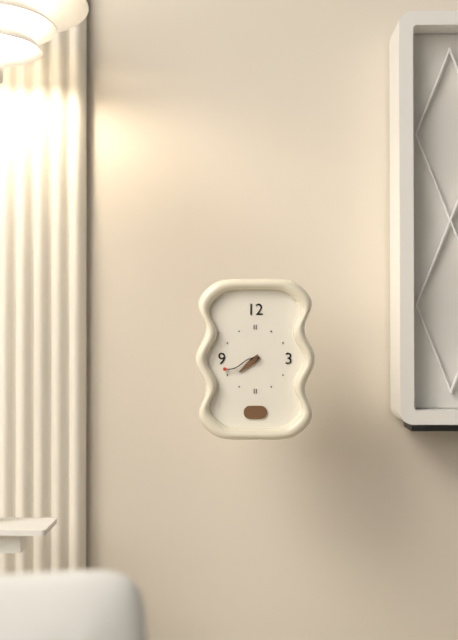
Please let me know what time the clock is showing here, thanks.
7:42
